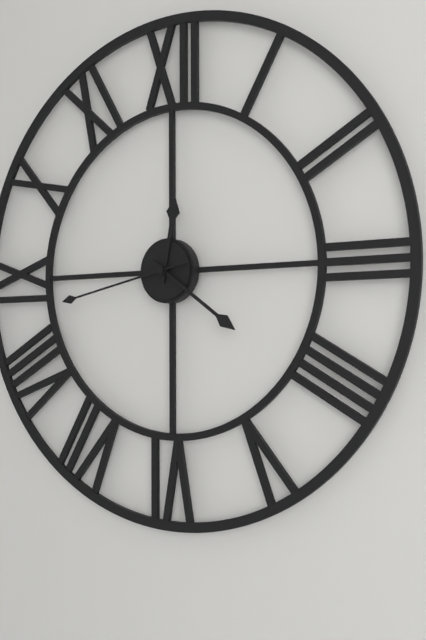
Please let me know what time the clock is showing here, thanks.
12:21:43
